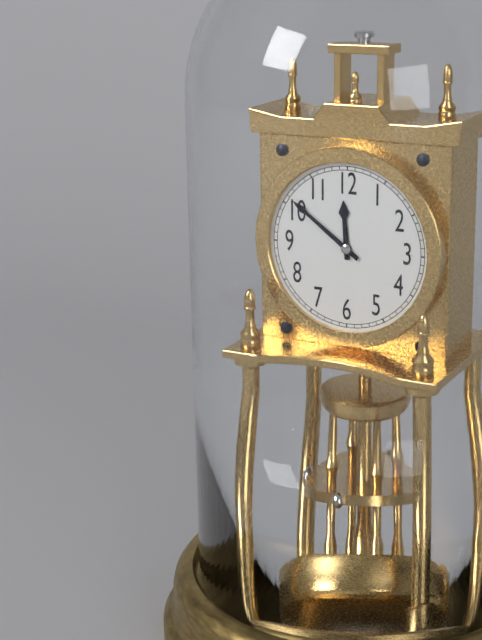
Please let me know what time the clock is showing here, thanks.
11:51
